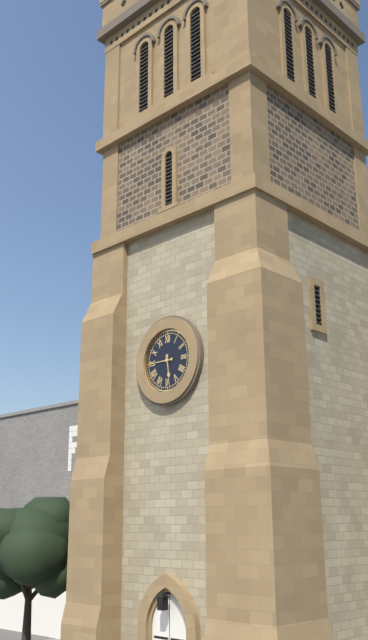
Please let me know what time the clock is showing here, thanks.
5:45
